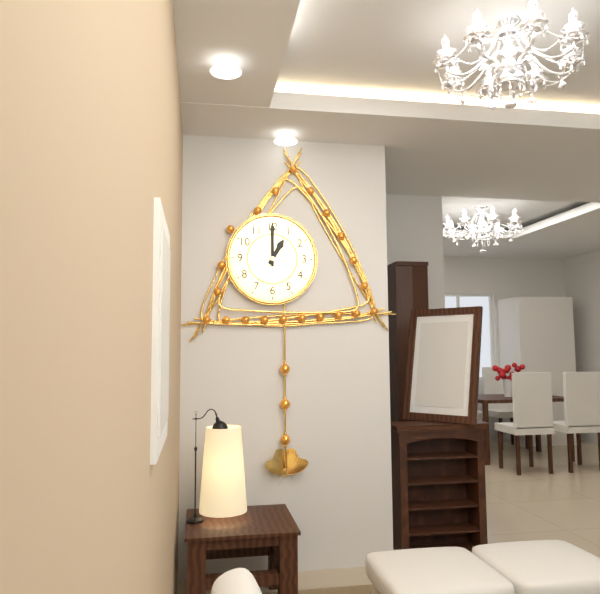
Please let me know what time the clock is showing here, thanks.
1:00
